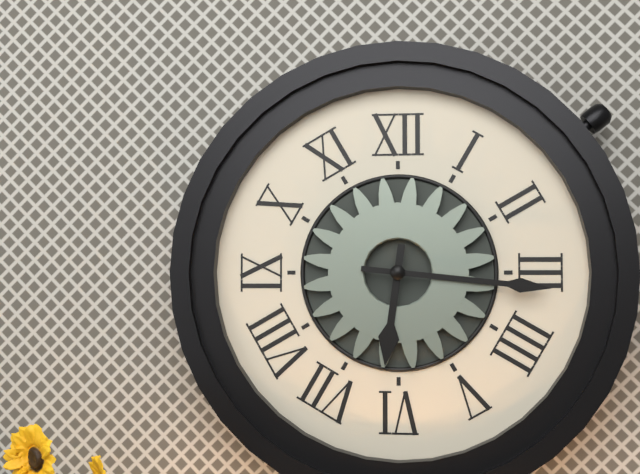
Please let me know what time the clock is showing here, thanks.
6:16
